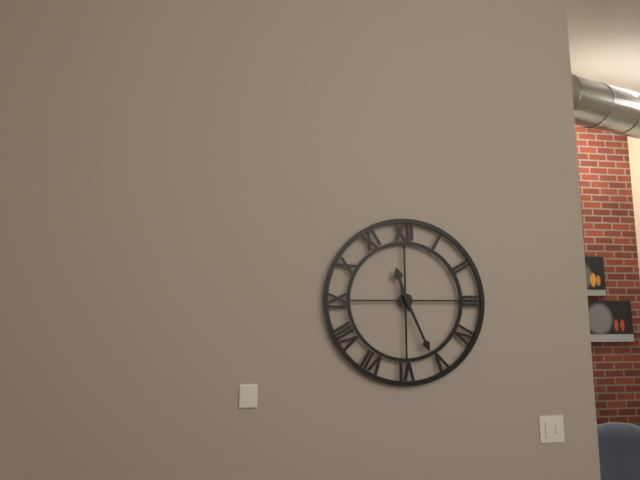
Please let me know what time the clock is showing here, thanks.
11:26
